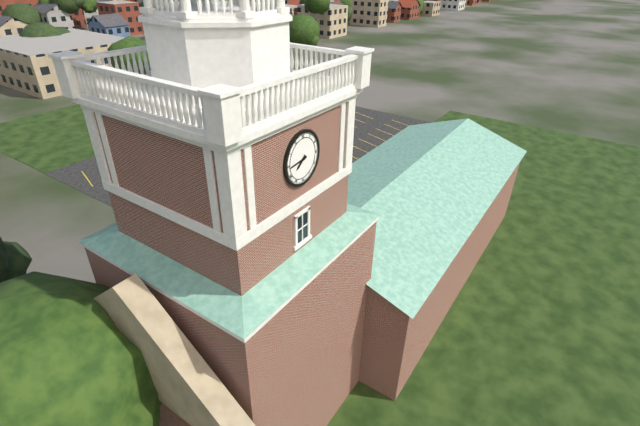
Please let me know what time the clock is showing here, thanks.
7:44
